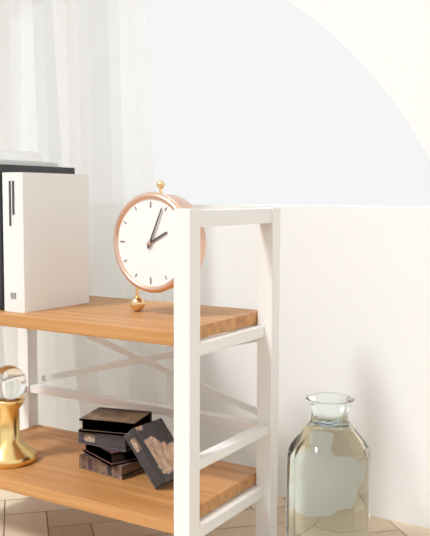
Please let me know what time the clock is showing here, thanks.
2:04
